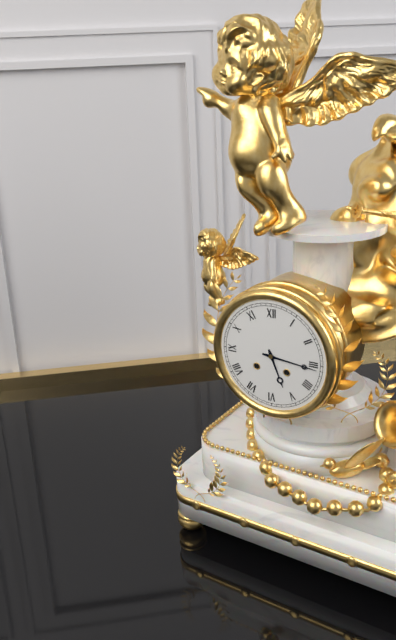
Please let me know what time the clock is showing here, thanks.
5:16
